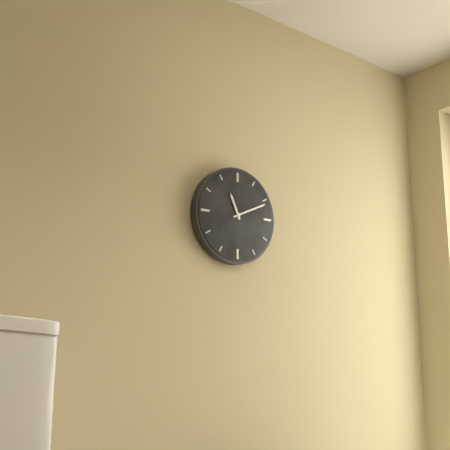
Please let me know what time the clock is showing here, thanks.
11:11
